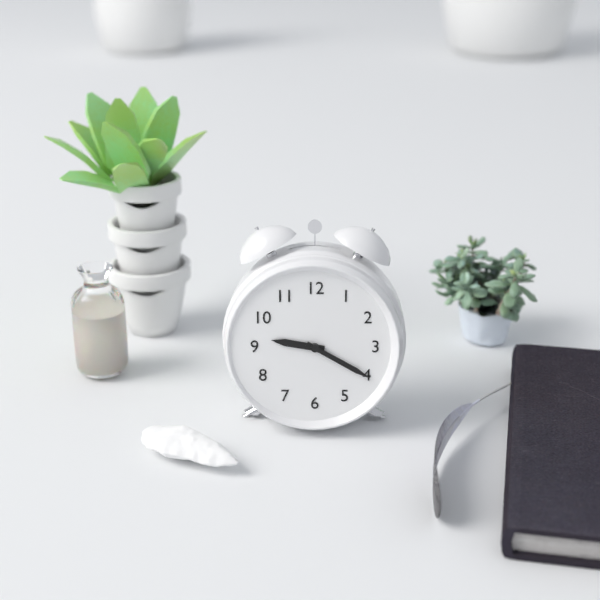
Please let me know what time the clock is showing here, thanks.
9:20
